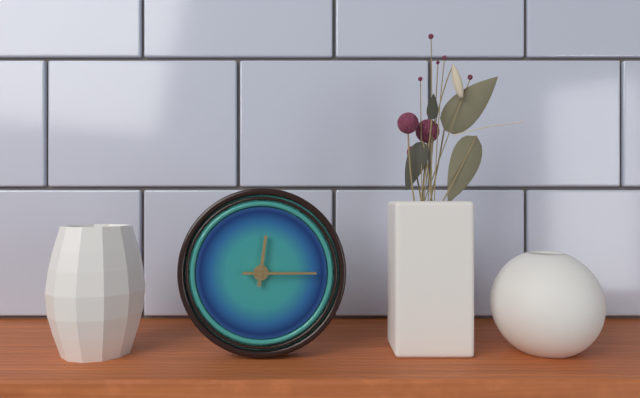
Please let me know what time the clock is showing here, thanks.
12:15
